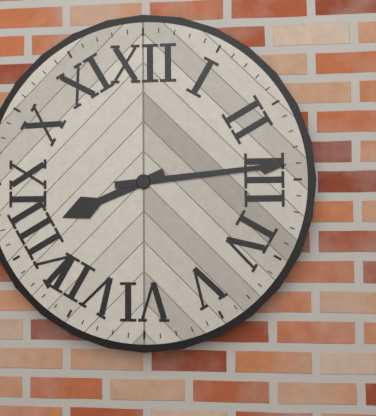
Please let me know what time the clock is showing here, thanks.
8:14
